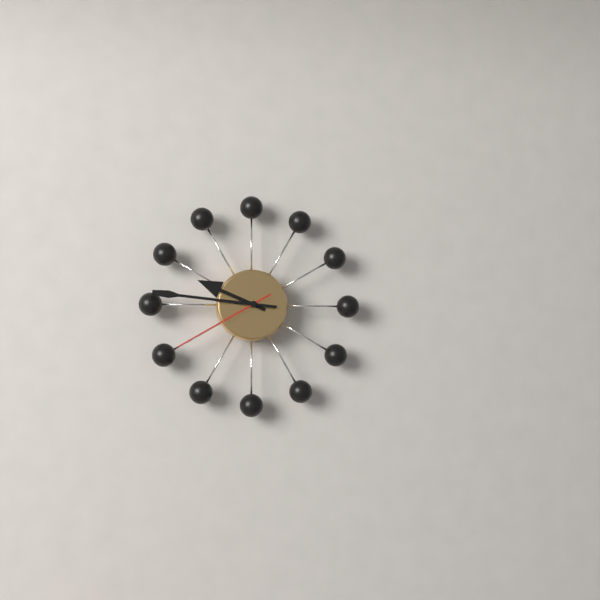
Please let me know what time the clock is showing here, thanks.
9:46:40
